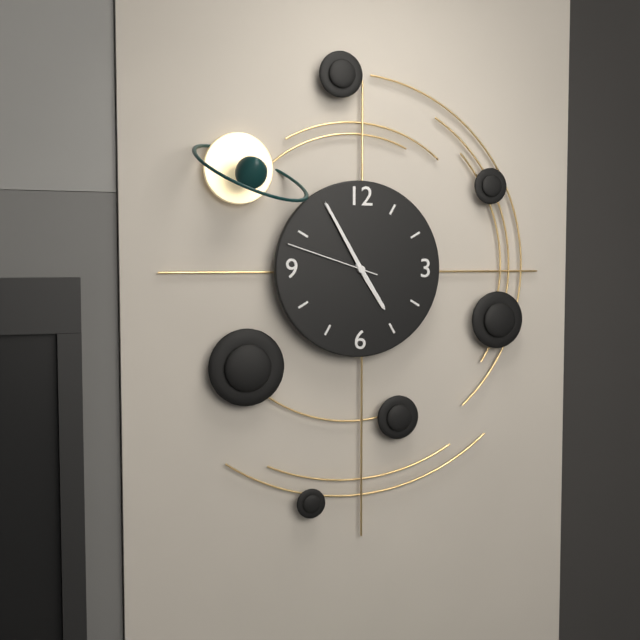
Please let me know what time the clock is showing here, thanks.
4:55:48
